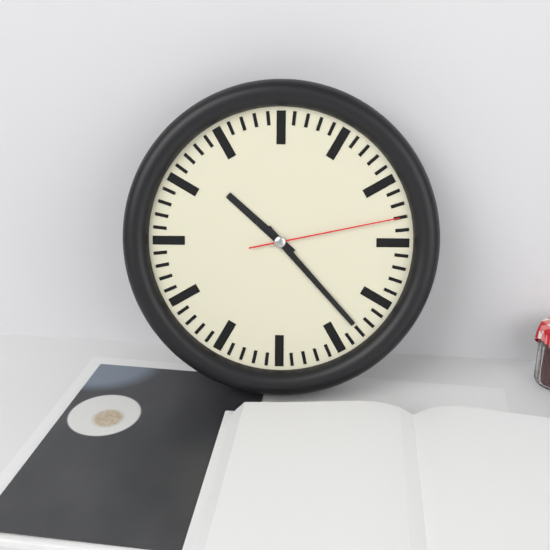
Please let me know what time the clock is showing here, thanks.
10:23:13
